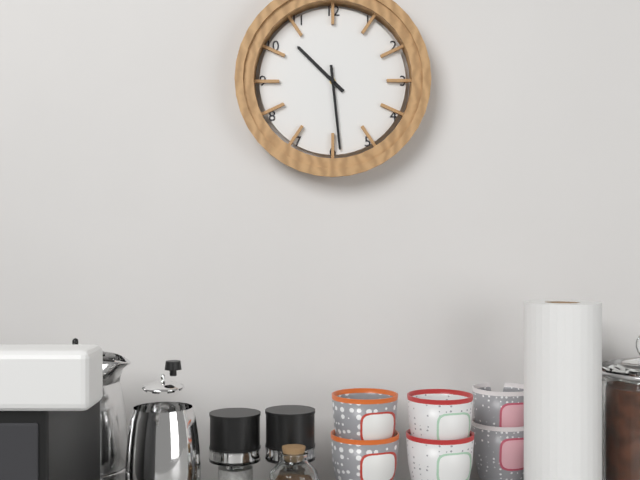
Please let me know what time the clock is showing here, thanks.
10:29
